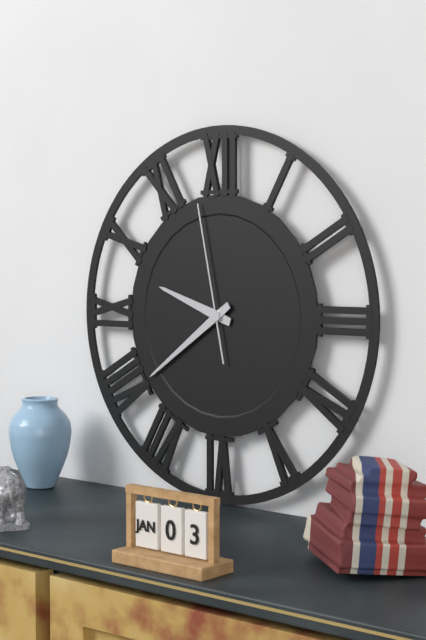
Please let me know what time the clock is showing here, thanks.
9:39:58
